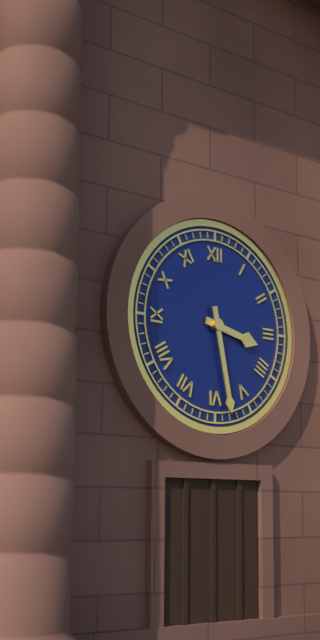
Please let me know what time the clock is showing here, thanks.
3:28
